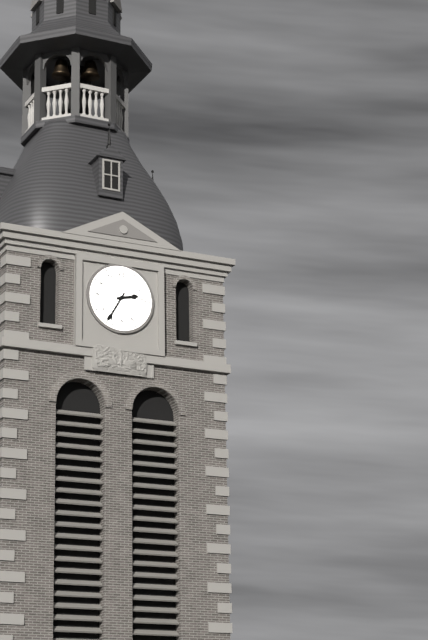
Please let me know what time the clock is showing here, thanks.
2:35
